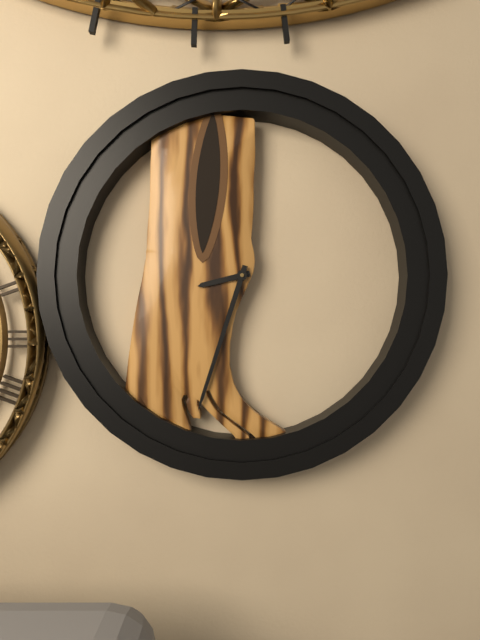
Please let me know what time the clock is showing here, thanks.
8:33
